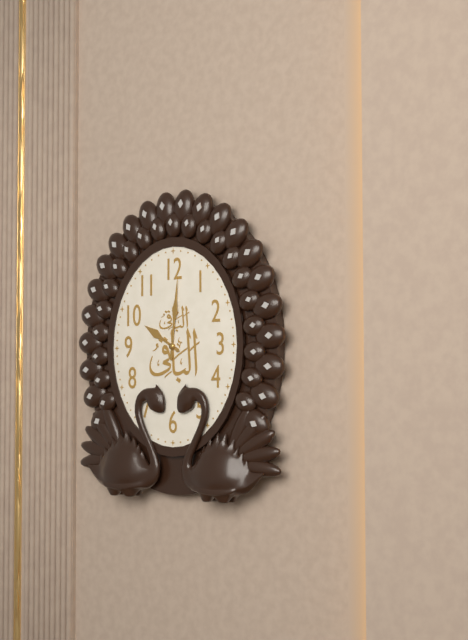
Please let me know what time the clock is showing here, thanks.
10:01
